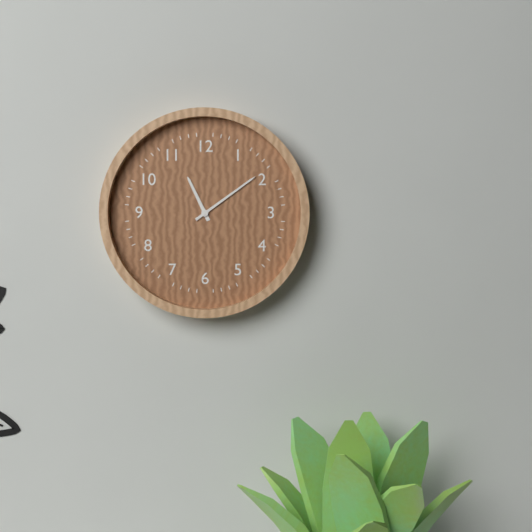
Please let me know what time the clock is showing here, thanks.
11:09
